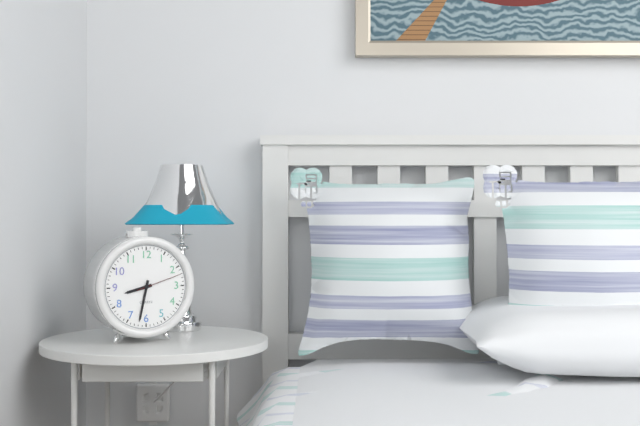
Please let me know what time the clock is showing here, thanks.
8:32
